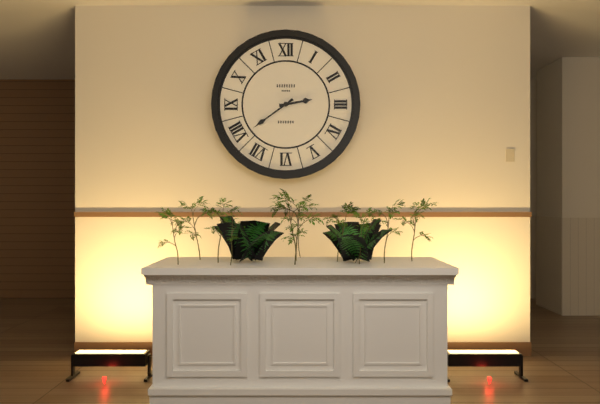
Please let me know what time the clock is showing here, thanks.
2:39
